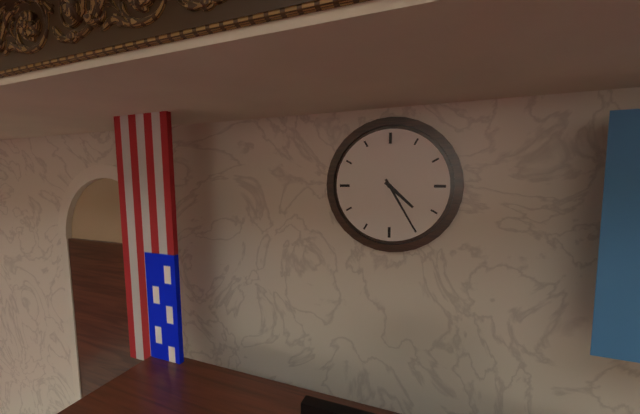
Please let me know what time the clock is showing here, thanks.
4:25
